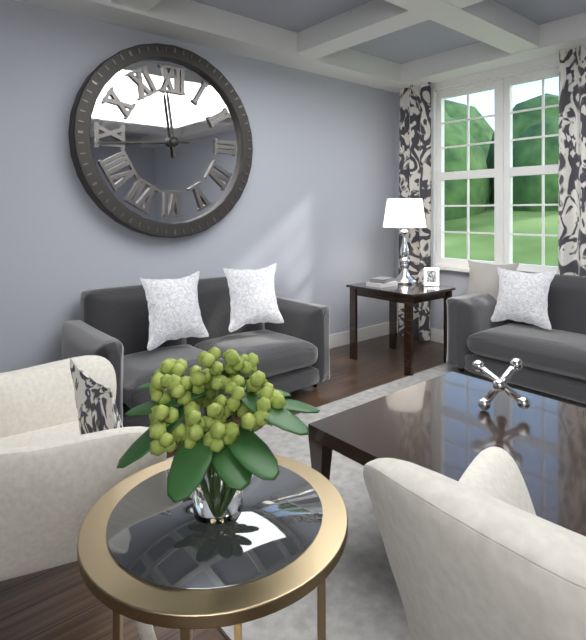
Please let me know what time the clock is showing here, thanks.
11:44
